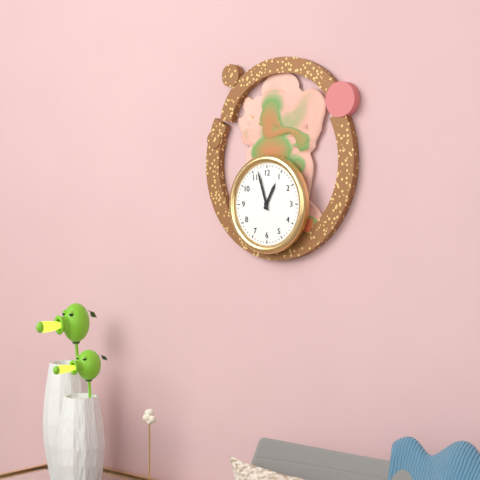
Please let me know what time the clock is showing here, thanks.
12:57
